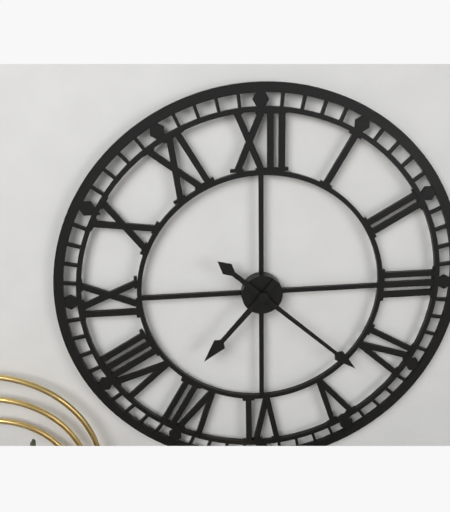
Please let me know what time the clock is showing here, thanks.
7:22
